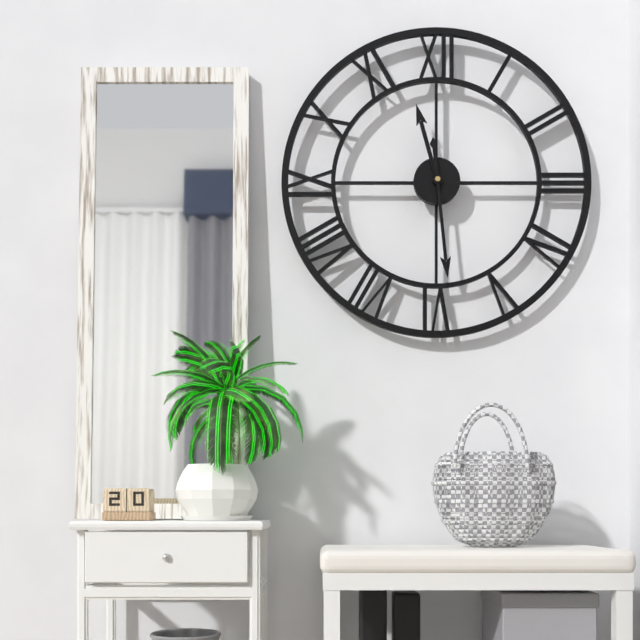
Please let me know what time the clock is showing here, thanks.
11:29
